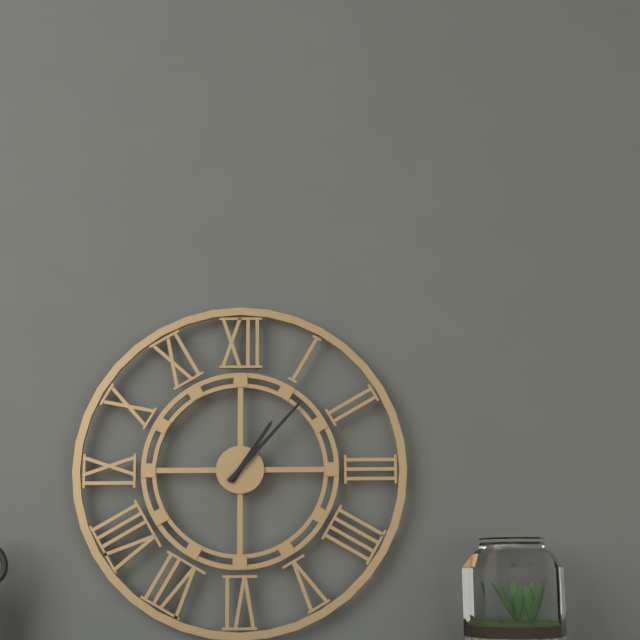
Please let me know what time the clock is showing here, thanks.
1:07
